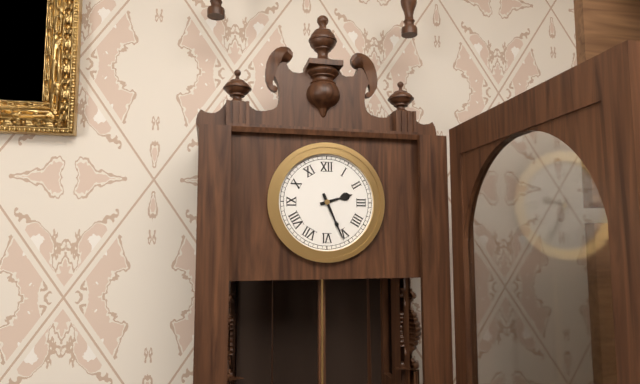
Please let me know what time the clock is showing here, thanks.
2:26
